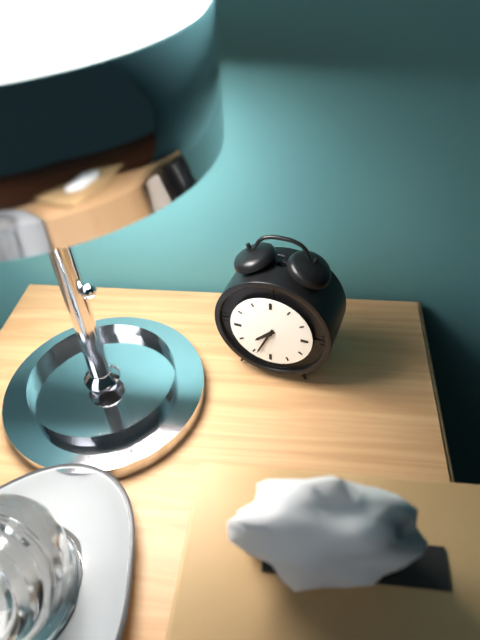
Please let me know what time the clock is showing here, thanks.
7:34
